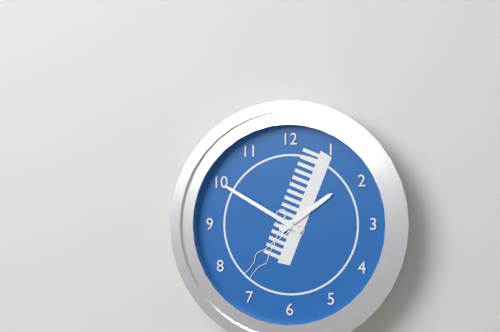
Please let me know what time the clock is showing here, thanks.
1:50
